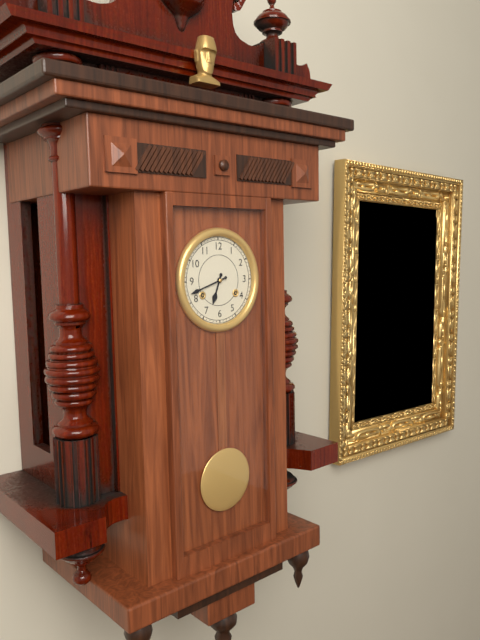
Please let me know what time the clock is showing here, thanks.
6:42
